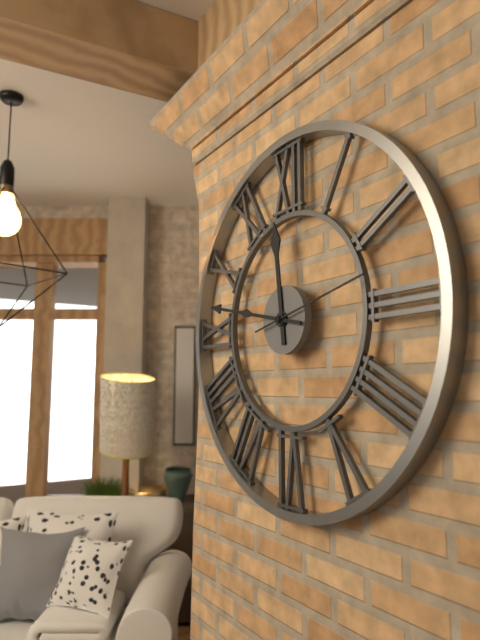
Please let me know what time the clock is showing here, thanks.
11:47:13
